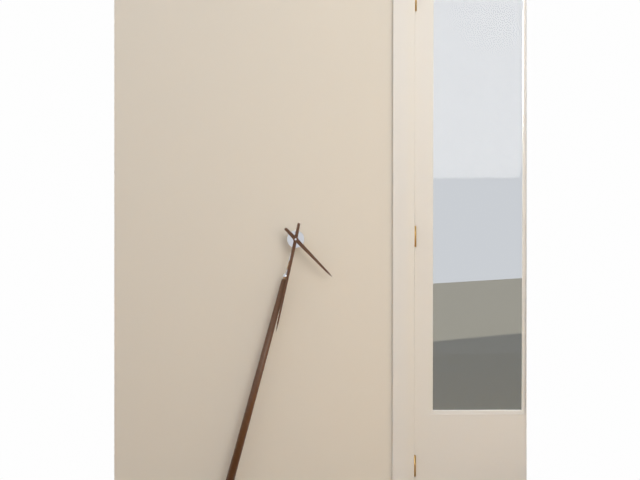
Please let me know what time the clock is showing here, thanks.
4:32
